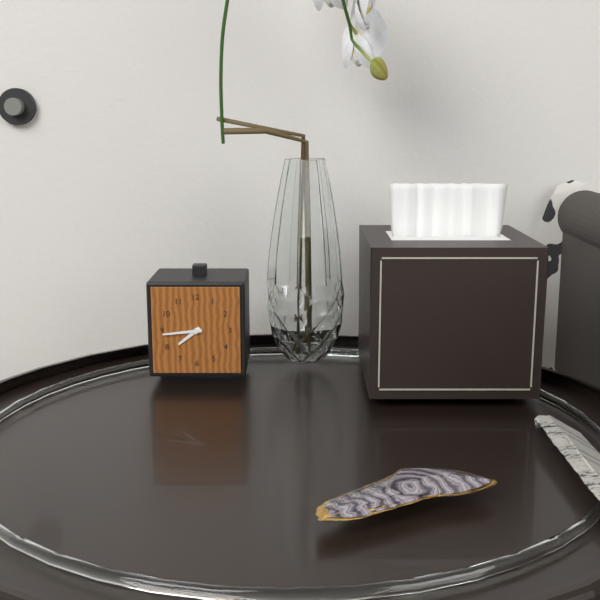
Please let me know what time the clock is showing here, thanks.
7:44
